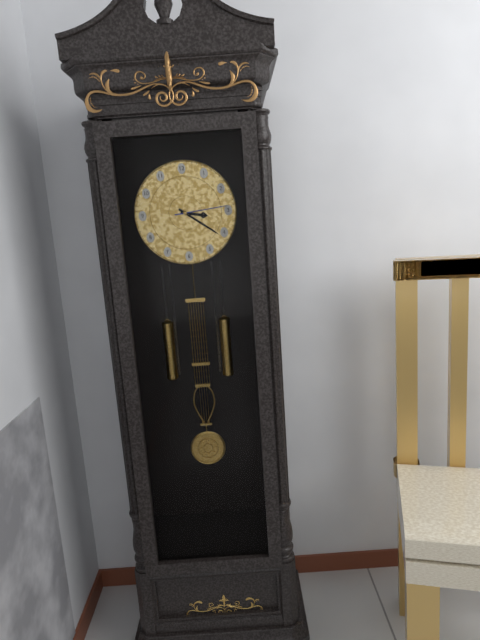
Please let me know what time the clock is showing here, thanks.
3:21:14
